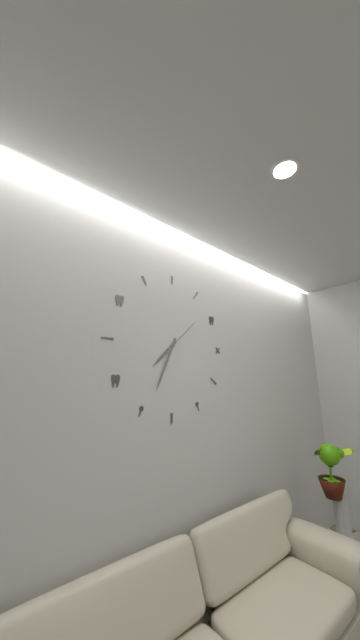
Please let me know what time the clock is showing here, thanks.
7:34
